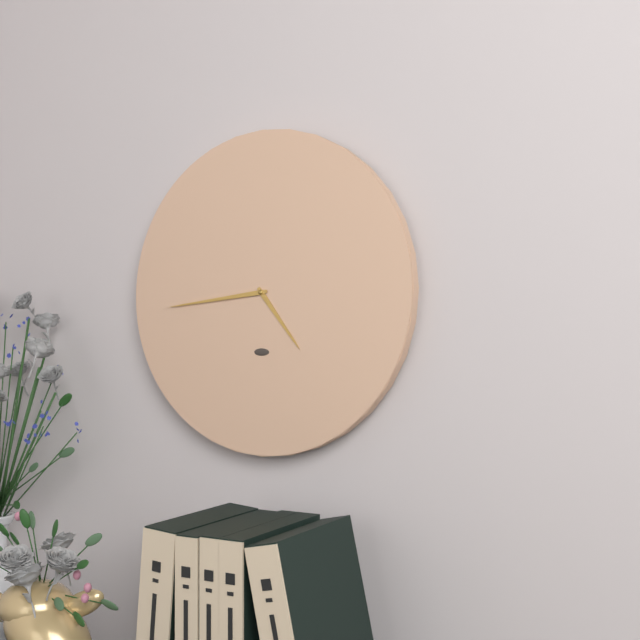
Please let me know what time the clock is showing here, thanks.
4:44
